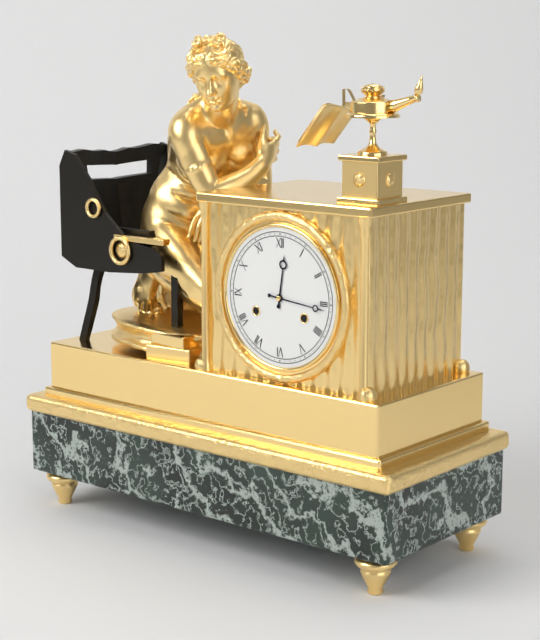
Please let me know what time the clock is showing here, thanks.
12:16
